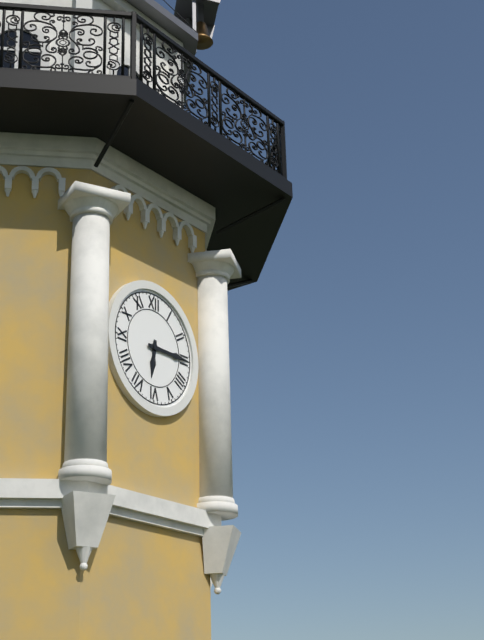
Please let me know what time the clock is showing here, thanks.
6:15
